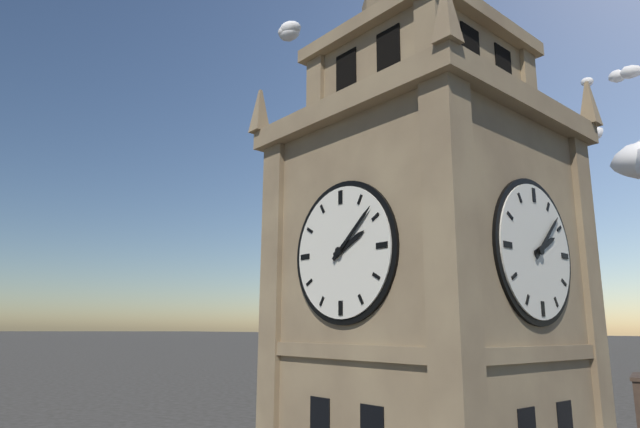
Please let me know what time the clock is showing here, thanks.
2:08
